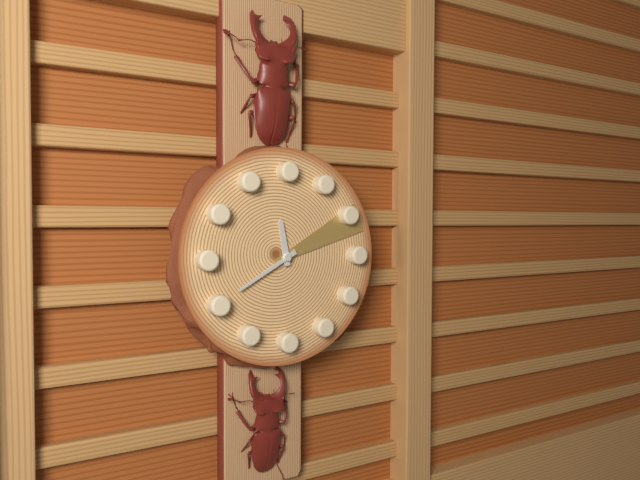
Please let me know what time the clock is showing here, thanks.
11:40:11
